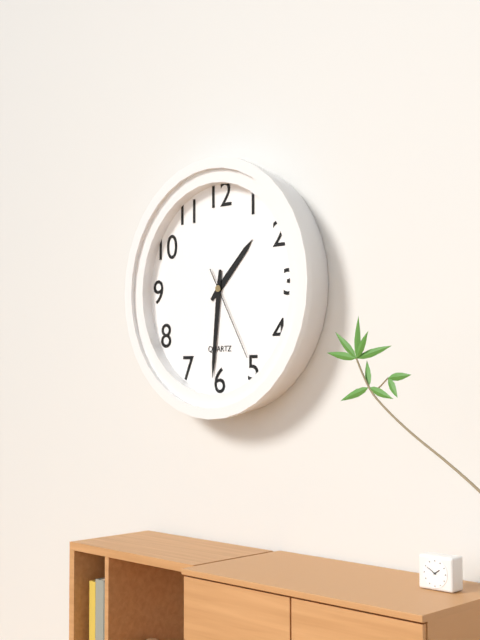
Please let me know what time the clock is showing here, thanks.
1:31:25
